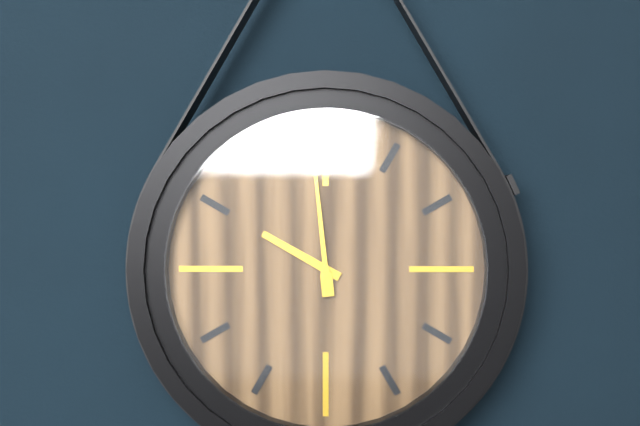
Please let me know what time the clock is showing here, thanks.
9:59
